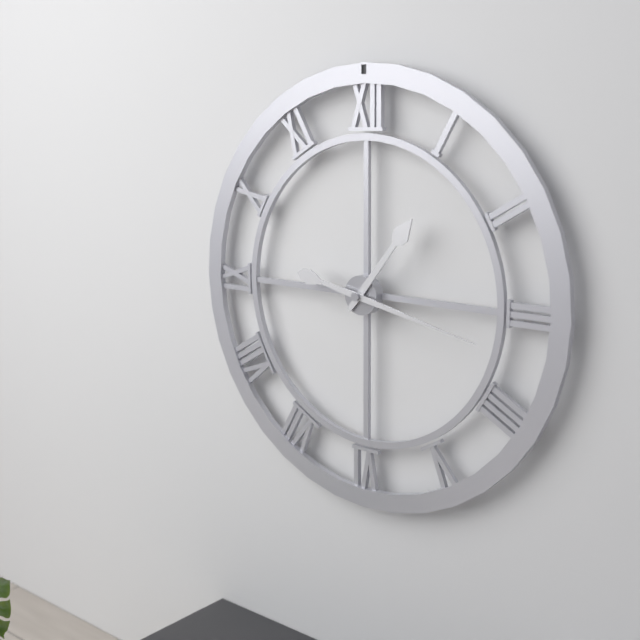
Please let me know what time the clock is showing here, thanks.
1:17
